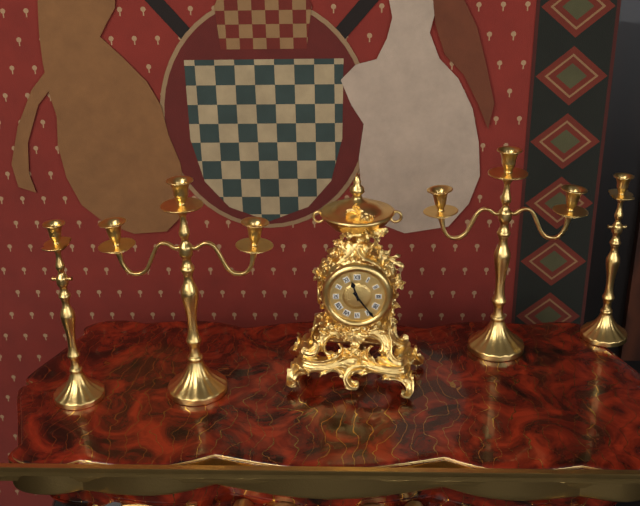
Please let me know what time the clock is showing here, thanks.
11:24
